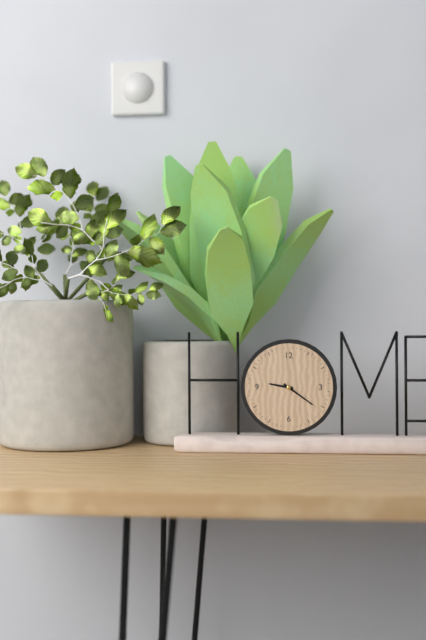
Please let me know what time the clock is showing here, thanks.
9:21
